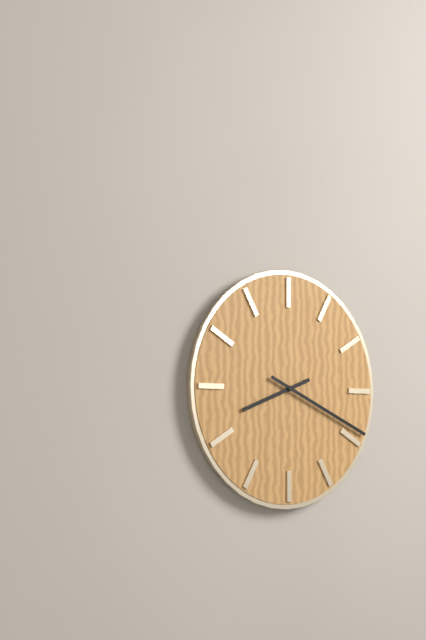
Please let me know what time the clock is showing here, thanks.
8:19
